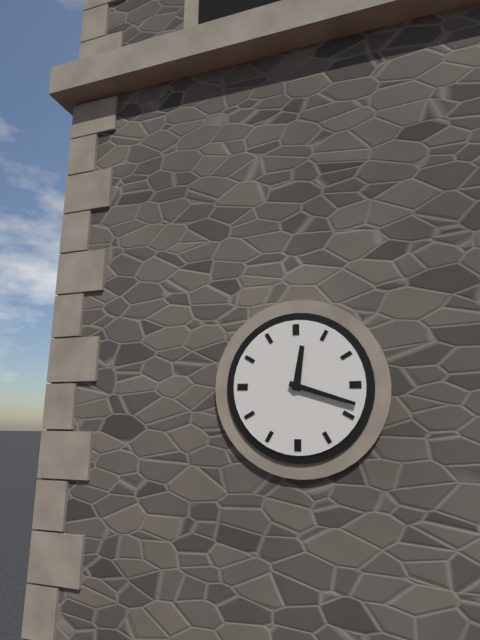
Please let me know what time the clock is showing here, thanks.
12:18
